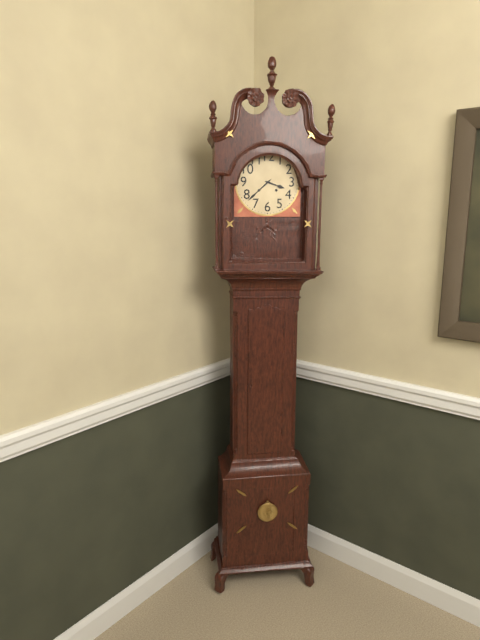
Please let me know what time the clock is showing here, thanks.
3:38
